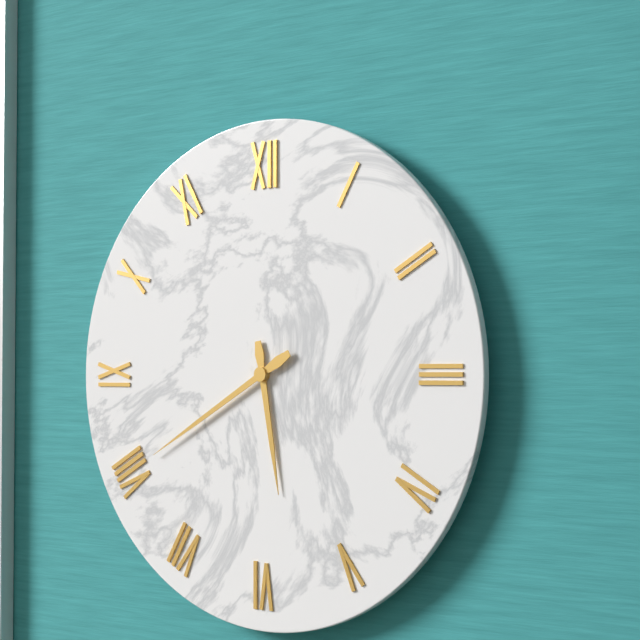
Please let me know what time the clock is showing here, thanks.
5:40
